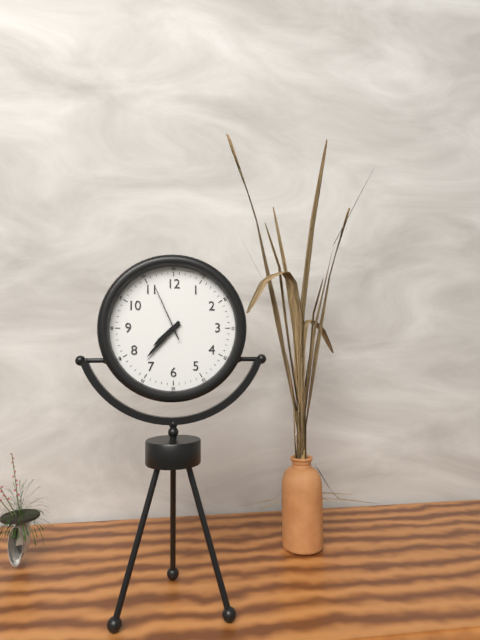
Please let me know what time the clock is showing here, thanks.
7:37:56
